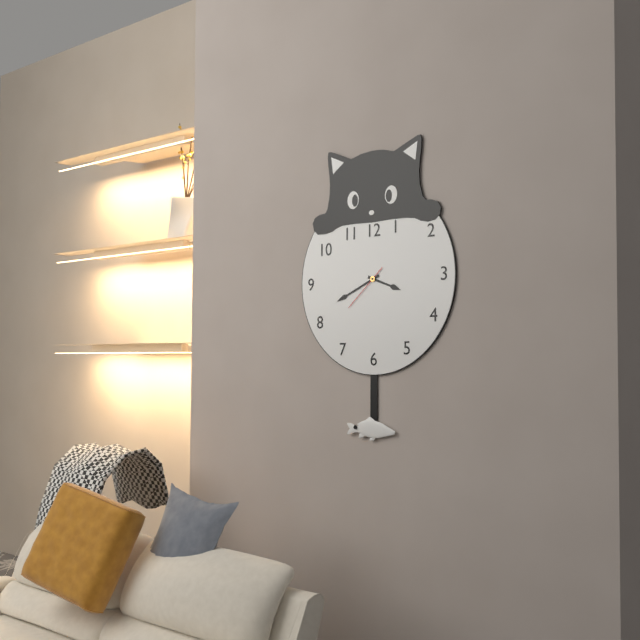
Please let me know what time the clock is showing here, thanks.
3:41
